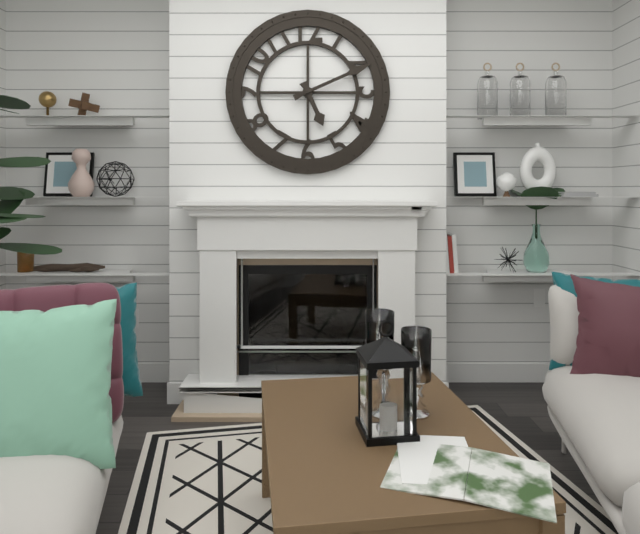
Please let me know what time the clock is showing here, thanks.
5:11
